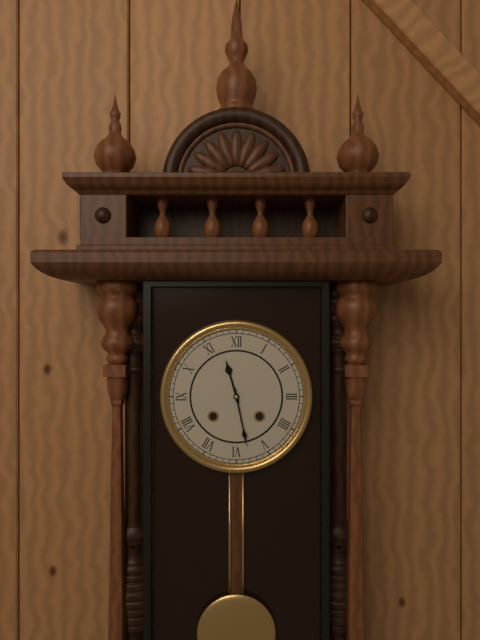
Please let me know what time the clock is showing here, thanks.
11:28
